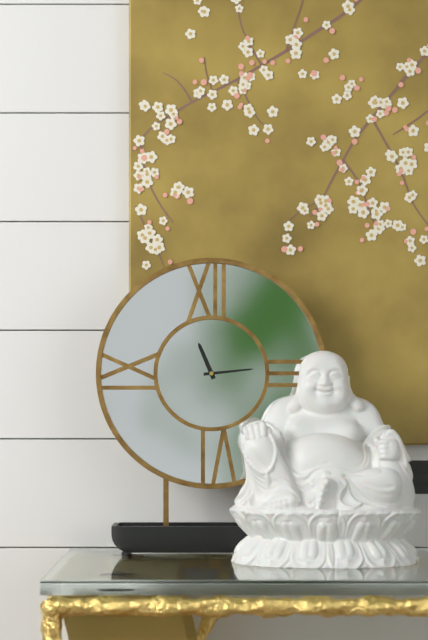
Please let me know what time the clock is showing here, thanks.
11:14
